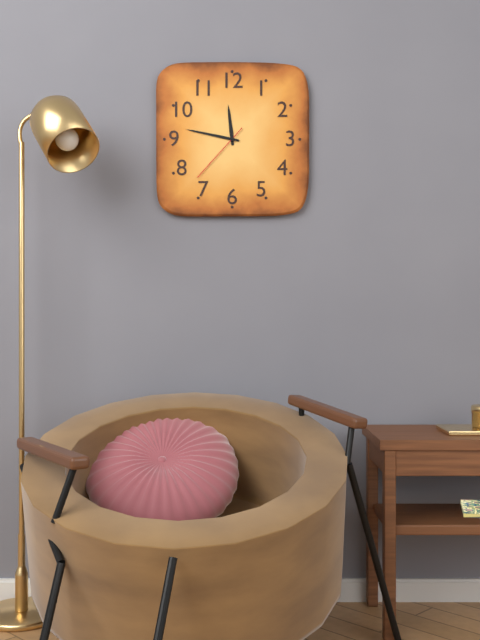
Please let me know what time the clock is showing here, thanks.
11:47:37
